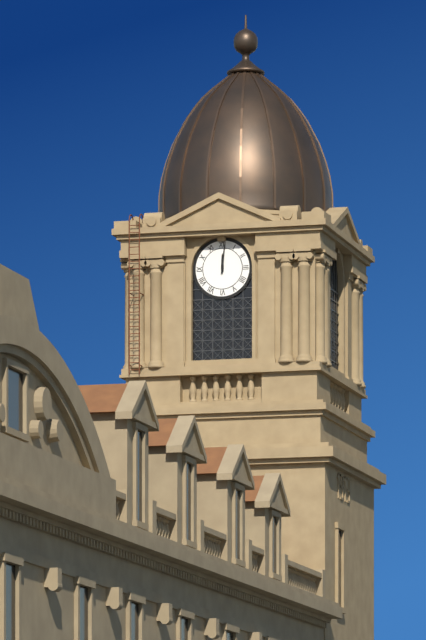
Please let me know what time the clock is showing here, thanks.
12:01
